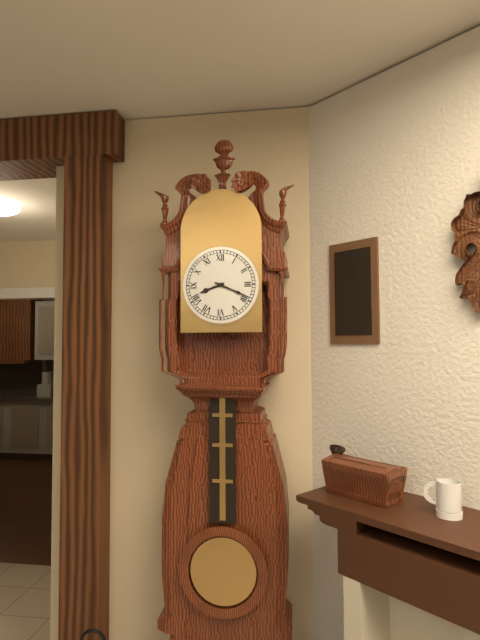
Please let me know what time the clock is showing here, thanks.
8:19
